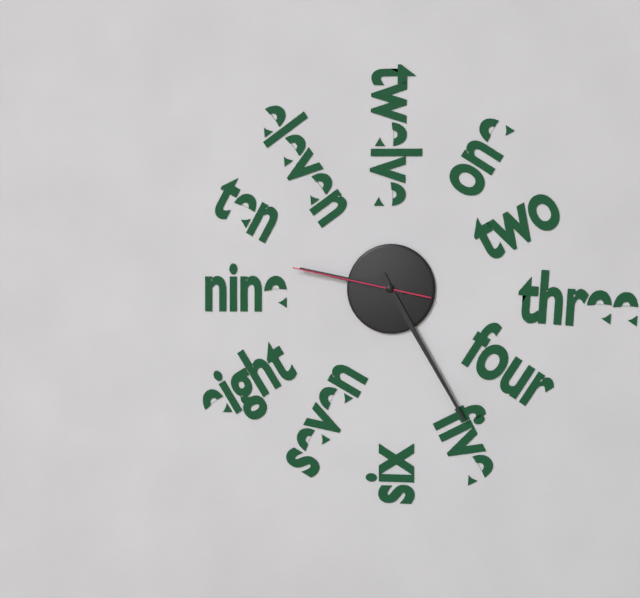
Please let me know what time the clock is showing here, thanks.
9:25:47
